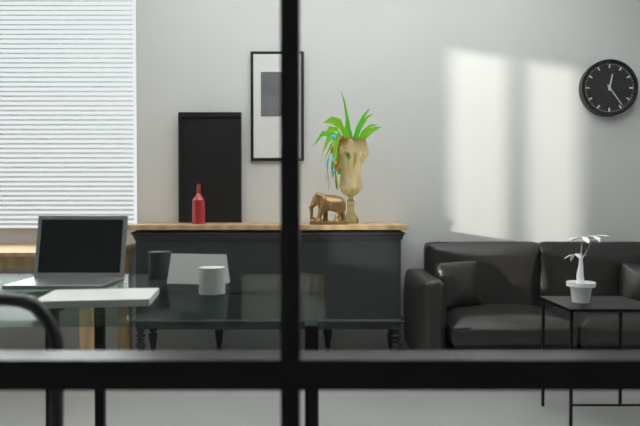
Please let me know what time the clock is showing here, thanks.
12:24
